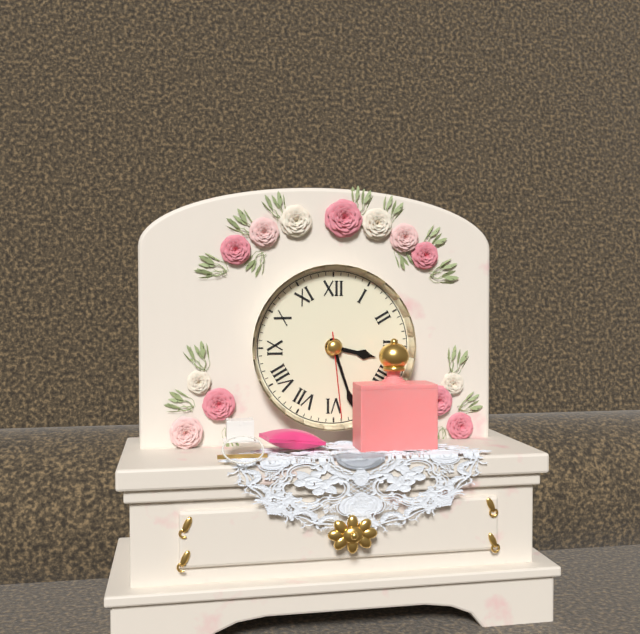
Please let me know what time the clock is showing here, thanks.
3:27:29
